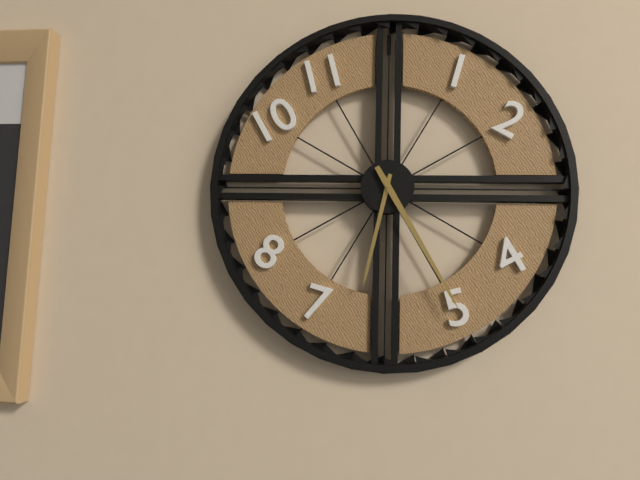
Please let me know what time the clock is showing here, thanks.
6:25
